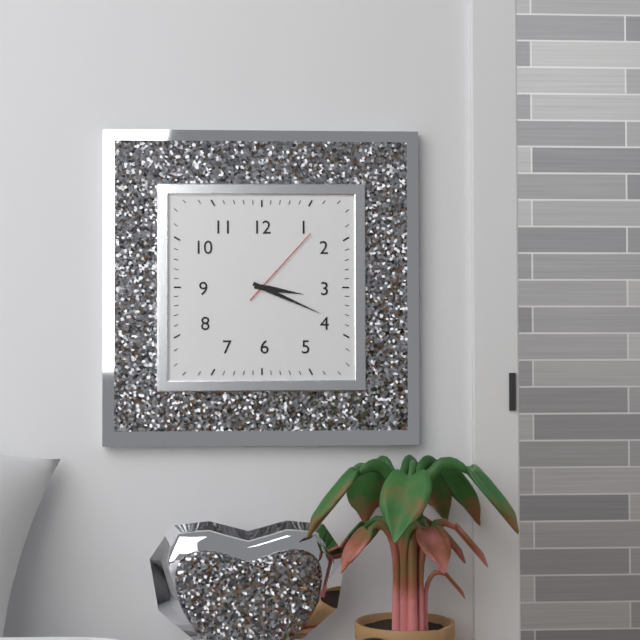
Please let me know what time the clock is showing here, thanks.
3:19:07
